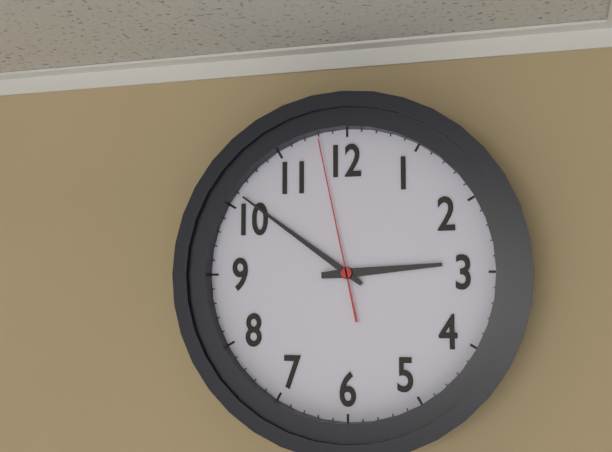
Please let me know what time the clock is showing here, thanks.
2:51:58
